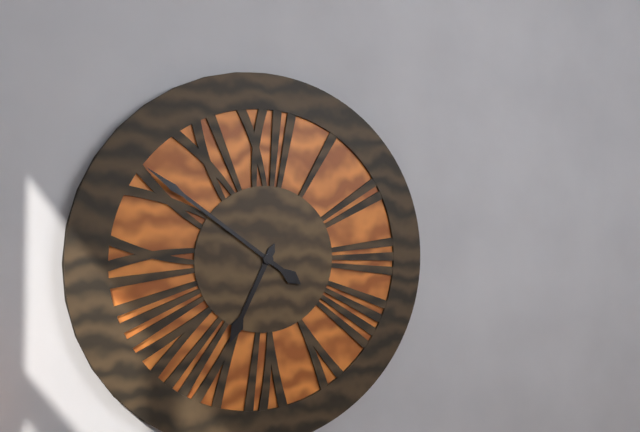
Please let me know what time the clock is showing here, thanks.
6:51
